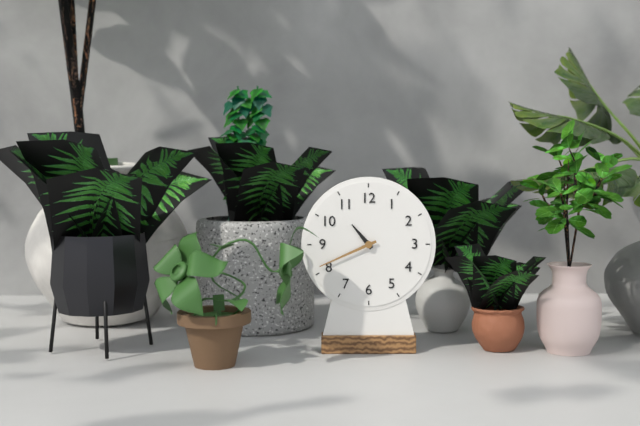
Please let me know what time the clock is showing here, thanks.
10:41
